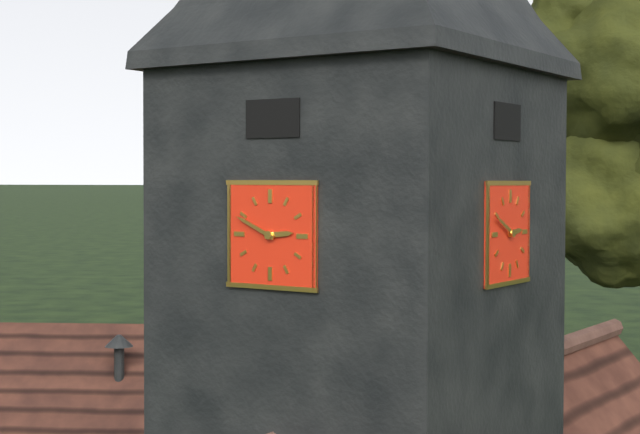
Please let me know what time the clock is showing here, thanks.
2:49
